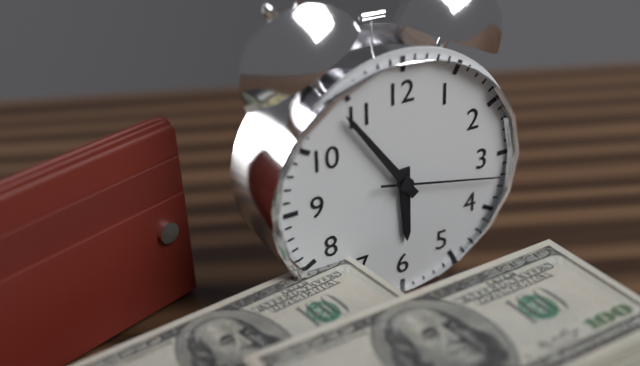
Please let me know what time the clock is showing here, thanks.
5:54:17
